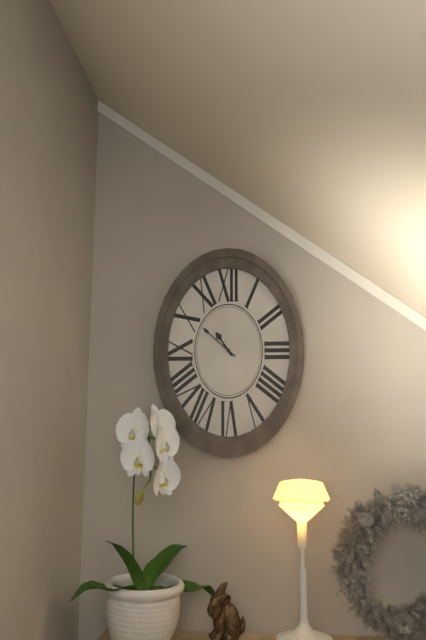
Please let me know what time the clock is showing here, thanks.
10:52
